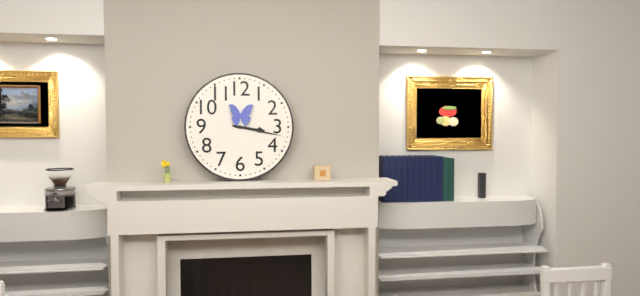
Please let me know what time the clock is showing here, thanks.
3:17
